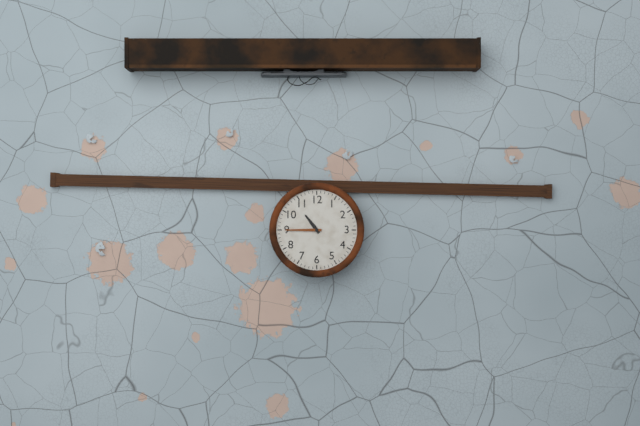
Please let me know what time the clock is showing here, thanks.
10:45
